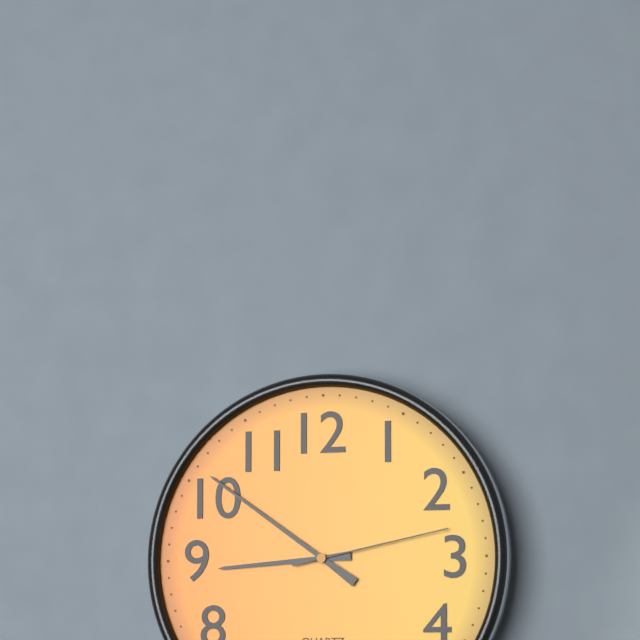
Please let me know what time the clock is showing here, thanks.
8:51:13
